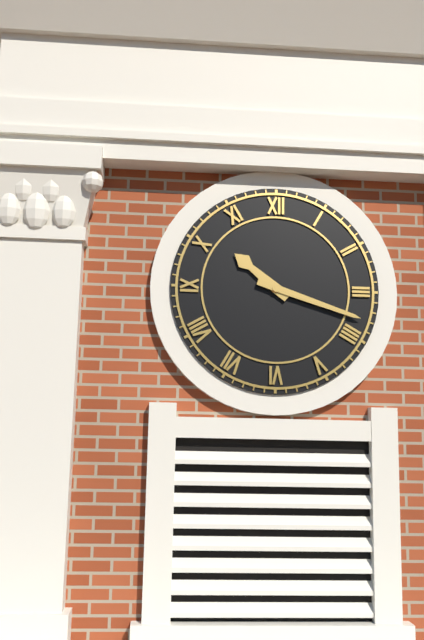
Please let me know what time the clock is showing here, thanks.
10:18
